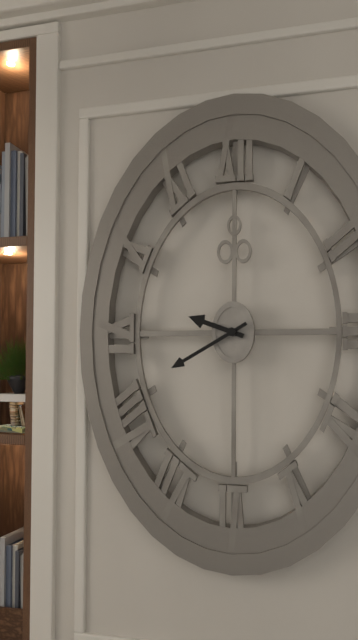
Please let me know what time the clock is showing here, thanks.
9:40
